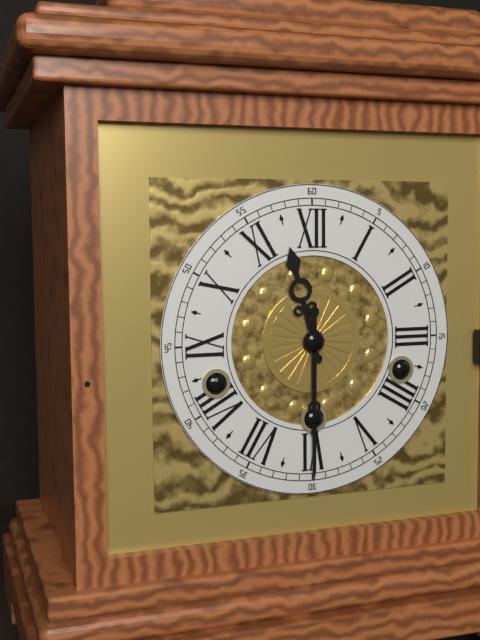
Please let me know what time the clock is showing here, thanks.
11:30
